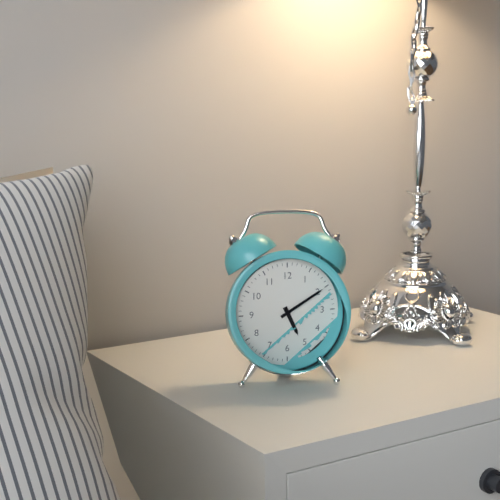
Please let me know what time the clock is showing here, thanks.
5:10
